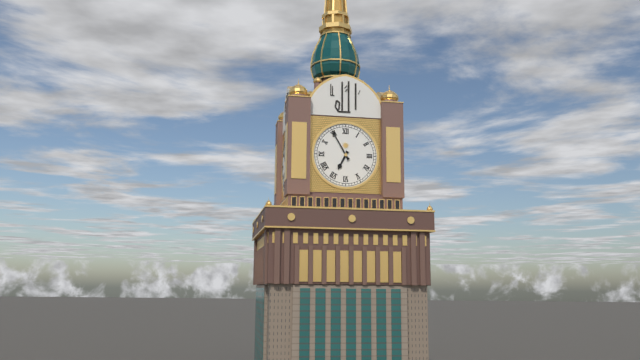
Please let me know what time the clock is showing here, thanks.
6:55
